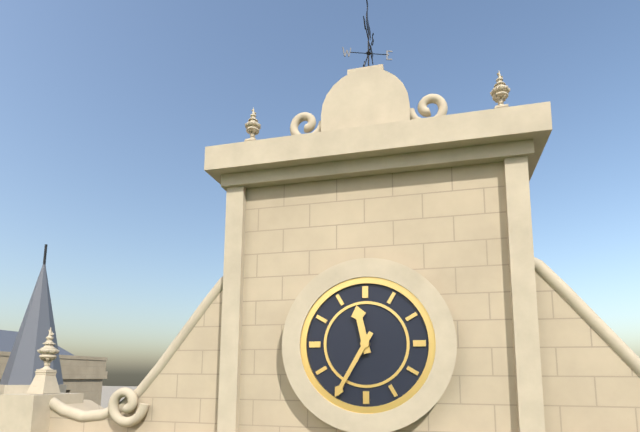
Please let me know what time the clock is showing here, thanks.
11:35
